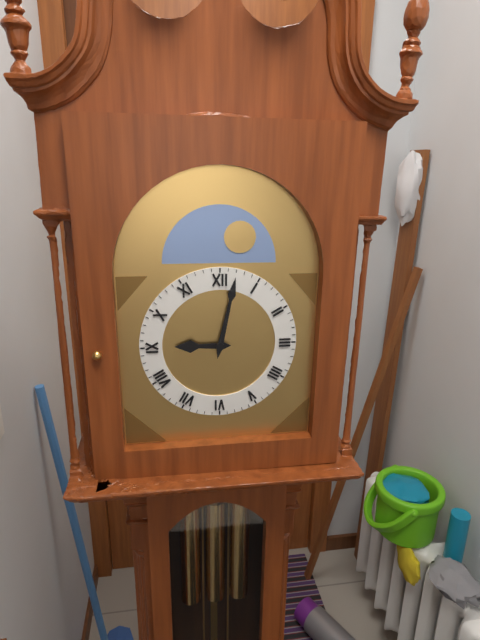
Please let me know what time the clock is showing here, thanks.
9:02
